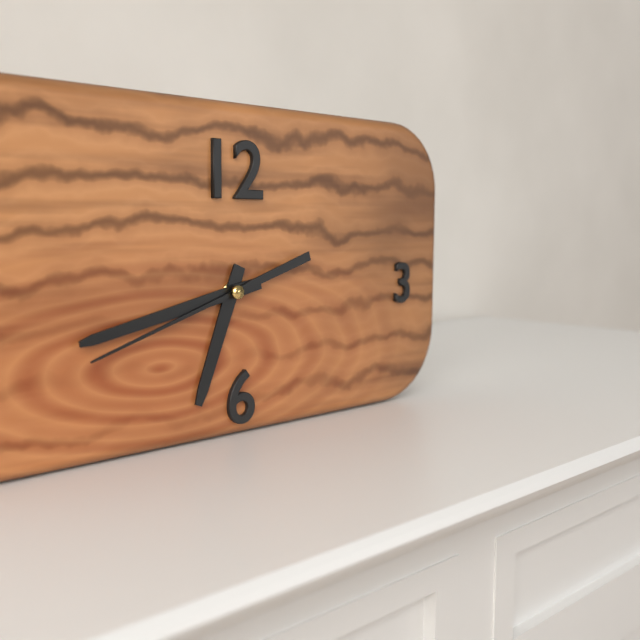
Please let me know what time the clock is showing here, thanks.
6:43:42
